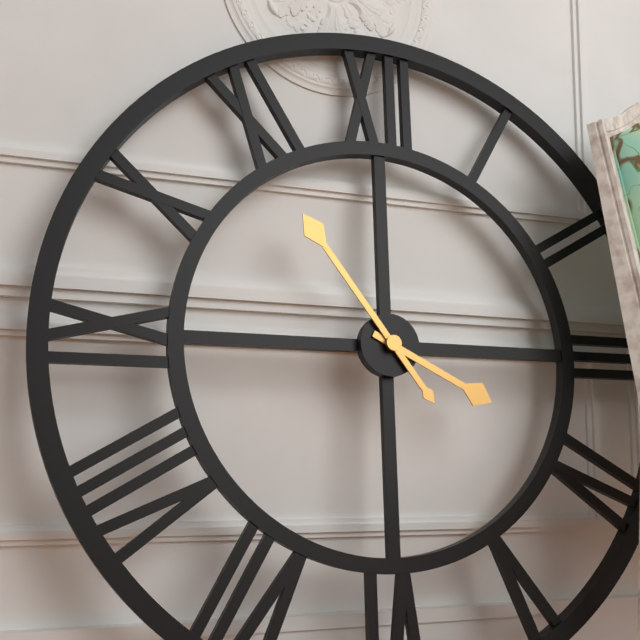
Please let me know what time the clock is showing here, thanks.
3:54
